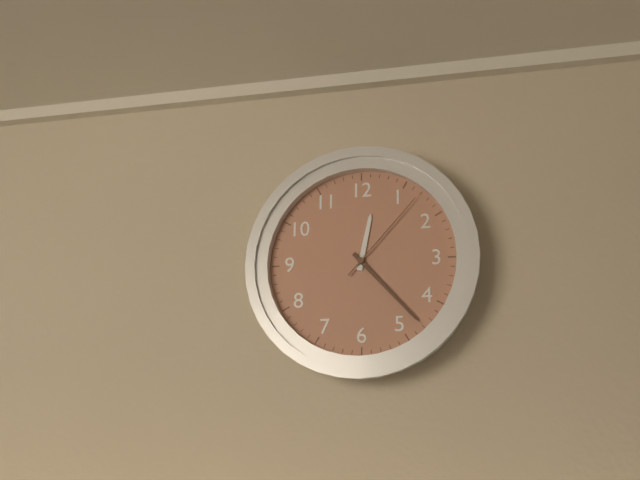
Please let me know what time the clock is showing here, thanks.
12:23:07
